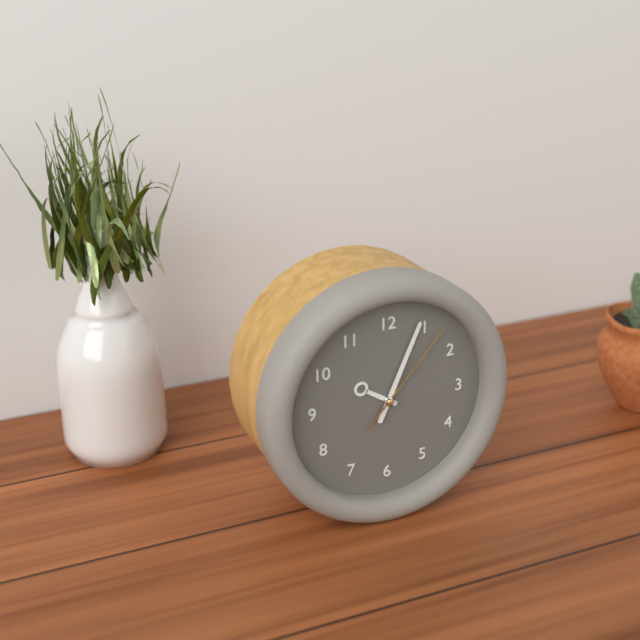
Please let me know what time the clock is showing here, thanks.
10:04:07
